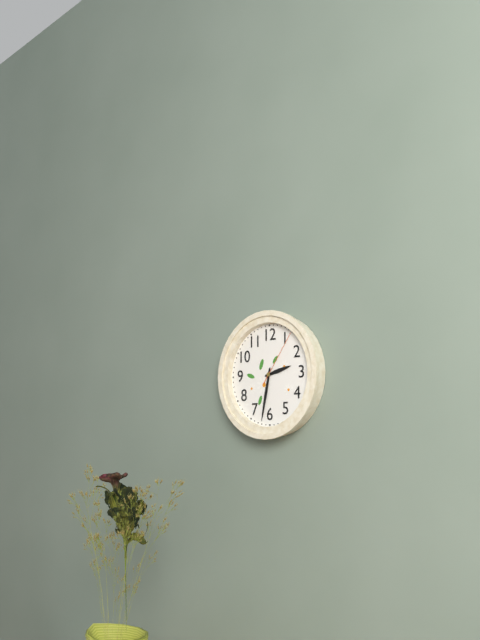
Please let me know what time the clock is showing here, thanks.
2:32:06
